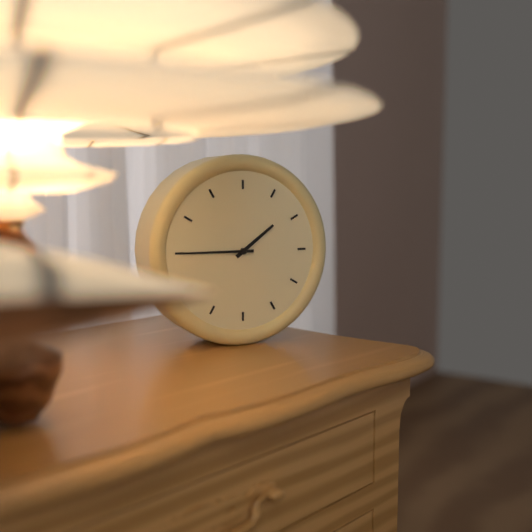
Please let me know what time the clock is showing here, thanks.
1:45
